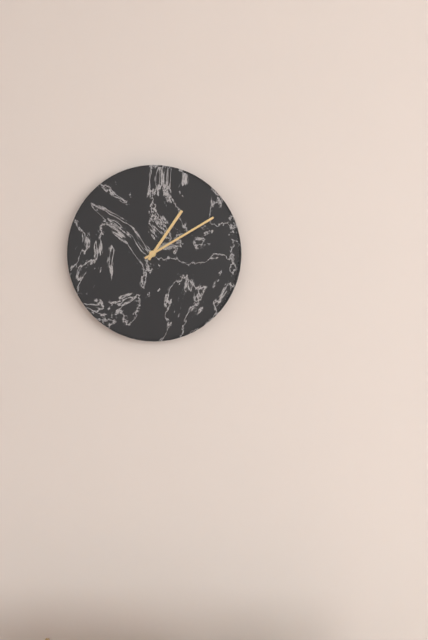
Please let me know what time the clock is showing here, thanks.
1:10
